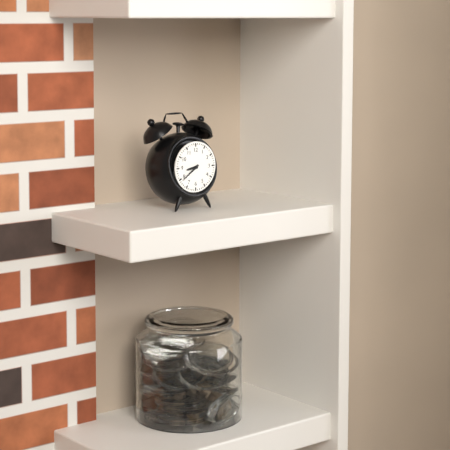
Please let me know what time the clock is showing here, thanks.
8:39
